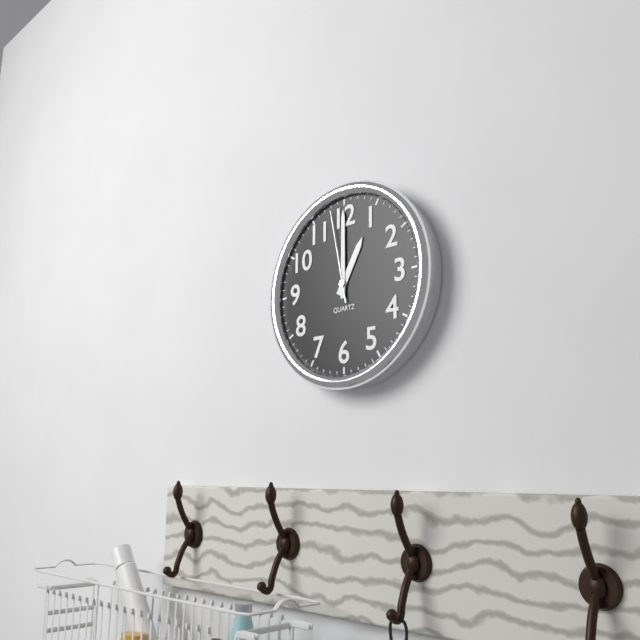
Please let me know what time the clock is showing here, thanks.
1:00:58
